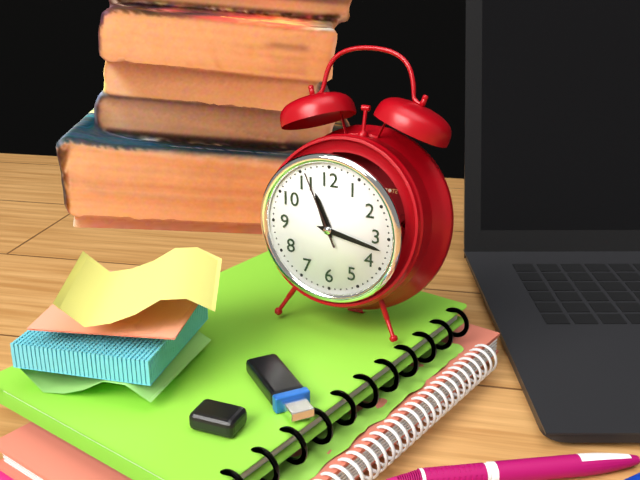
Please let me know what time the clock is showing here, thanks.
11:17:56
